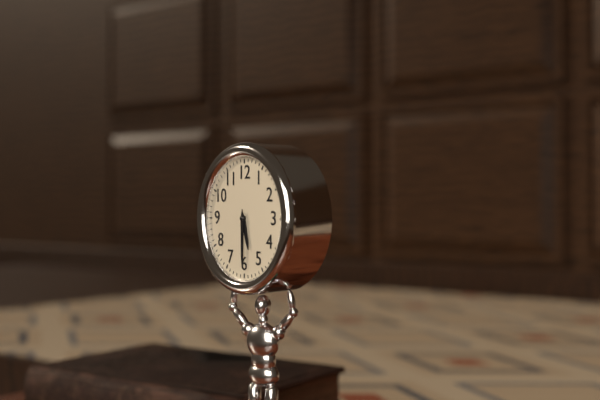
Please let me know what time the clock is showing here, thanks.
5:30
